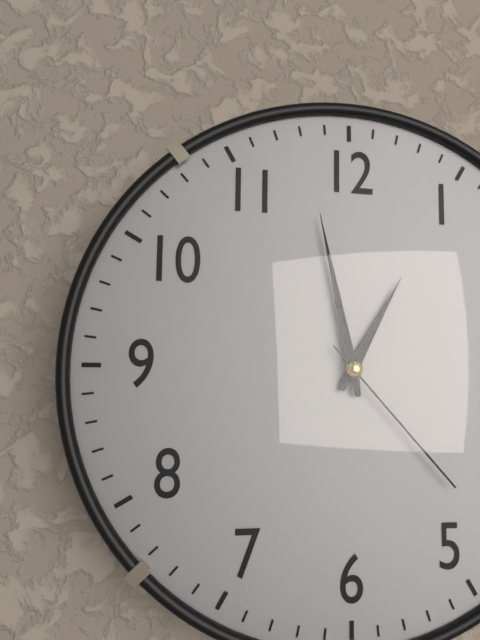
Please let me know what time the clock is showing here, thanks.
12:58:23
